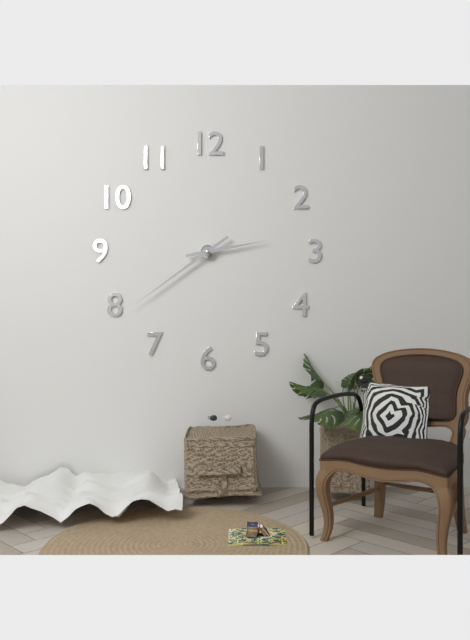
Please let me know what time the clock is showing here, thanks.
2:39
